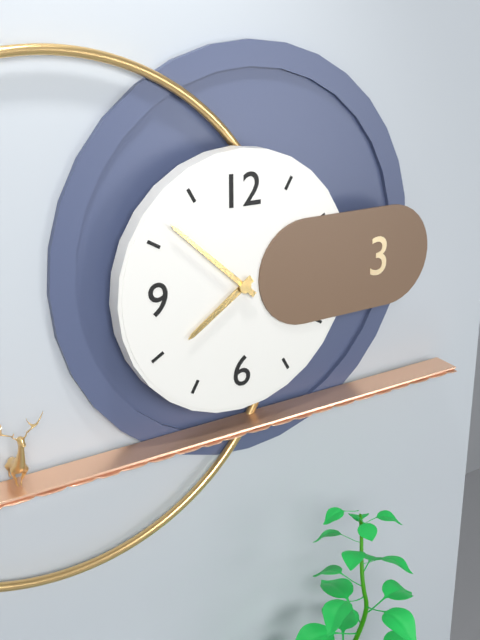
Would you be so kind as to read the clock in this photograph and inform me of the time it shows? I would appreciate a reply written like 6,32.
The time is 7,52
